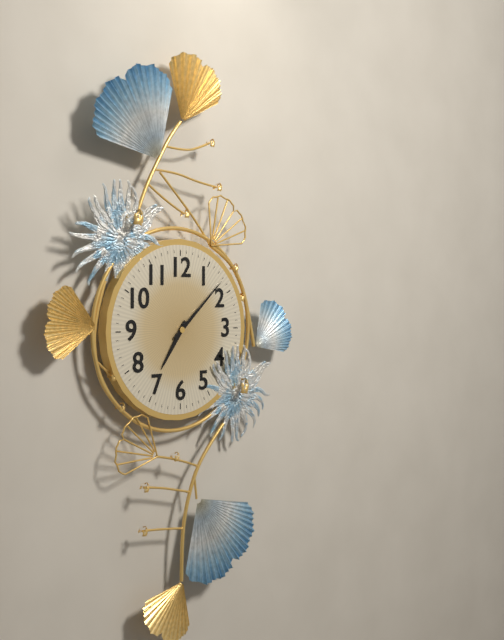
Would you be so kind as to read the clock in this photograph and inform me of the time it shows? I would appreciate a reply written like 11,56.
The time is 7,08
